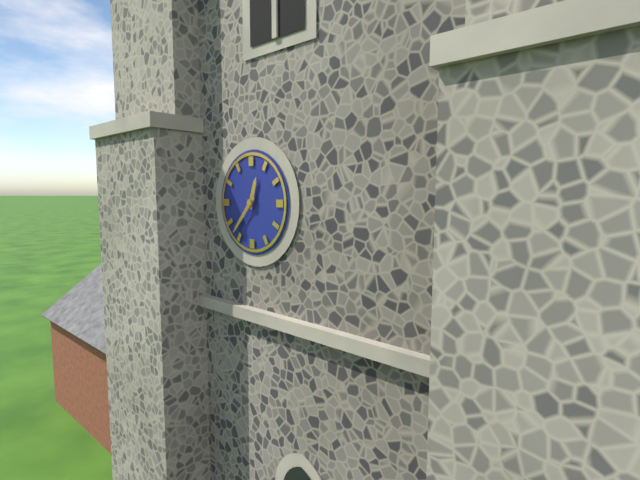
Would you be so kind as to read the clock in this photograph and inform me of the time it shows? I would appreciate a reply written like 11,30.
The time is 12,37
